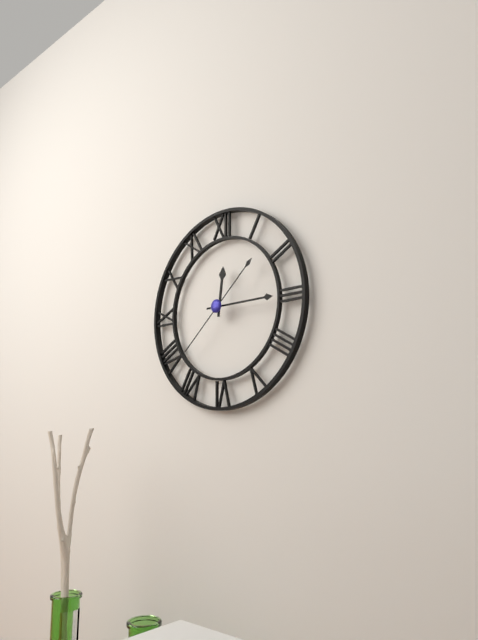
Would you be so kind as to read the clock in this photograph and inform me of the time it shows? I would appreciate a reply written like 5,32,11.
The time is 12,15,38
